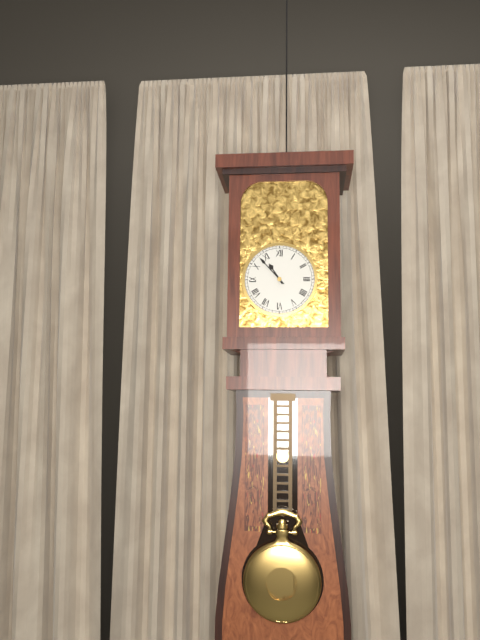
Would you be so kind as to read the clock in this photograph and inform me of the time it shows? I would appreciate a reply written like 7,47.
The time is 10,53
